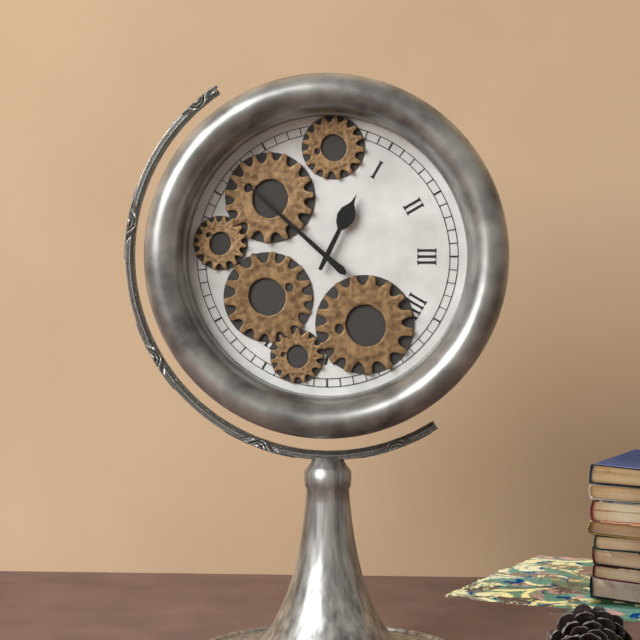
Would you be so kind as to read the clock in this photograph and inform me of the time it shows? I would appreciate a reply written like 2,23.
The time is 12,52
